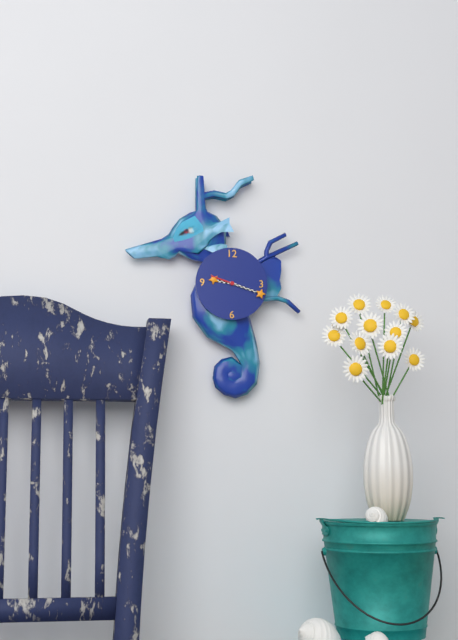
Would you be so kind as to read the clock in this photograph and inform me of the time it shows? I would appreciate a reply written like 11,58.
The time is 9,18
